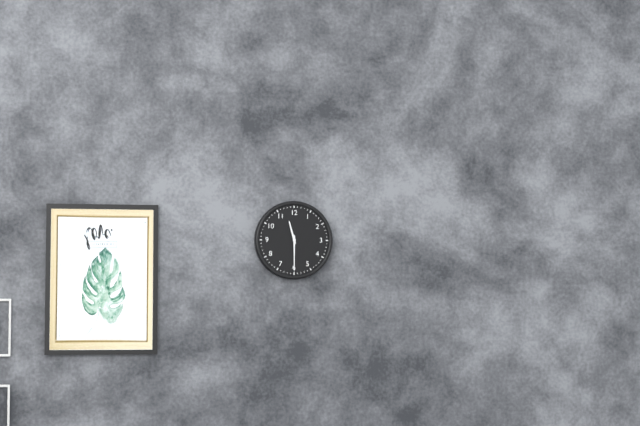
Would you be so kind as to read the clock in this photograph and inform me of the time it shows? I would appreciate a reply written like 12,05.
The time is 11,30
